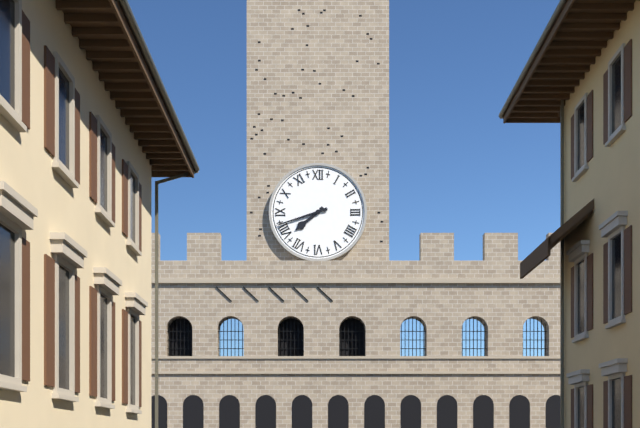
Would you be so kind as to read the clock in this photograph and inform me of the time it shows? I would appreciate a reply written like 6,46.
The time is 7,42
